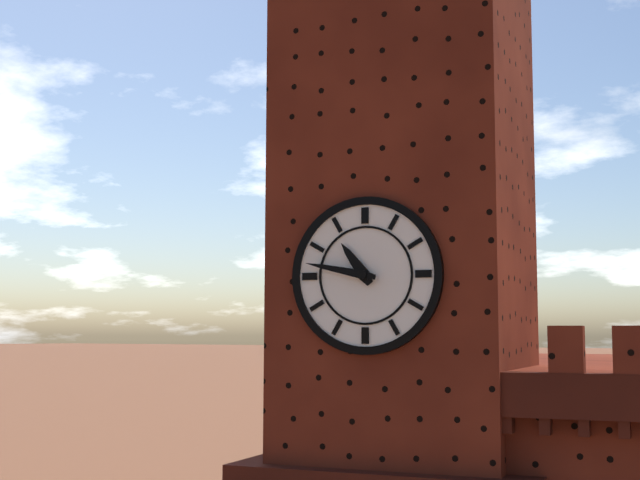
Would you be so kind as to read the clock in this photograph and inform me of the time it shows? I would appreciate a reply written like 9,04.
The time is 10,47
